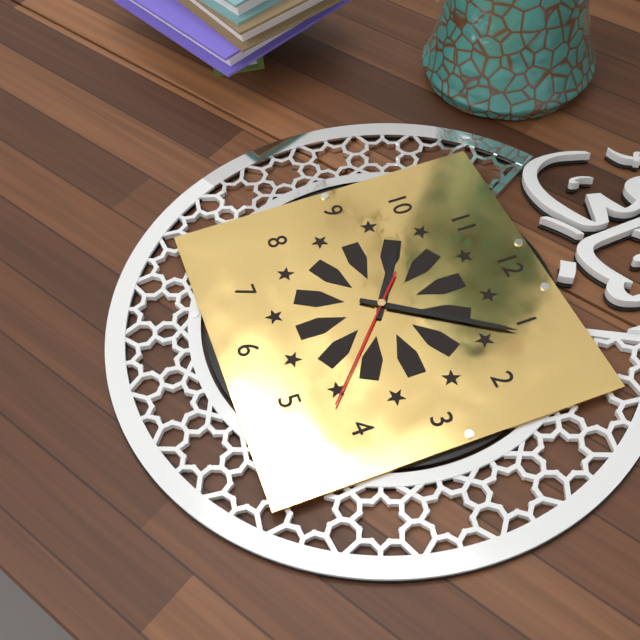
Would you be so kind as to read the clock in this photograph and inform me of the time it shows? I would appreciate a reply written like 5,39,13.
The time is 10,06,22
